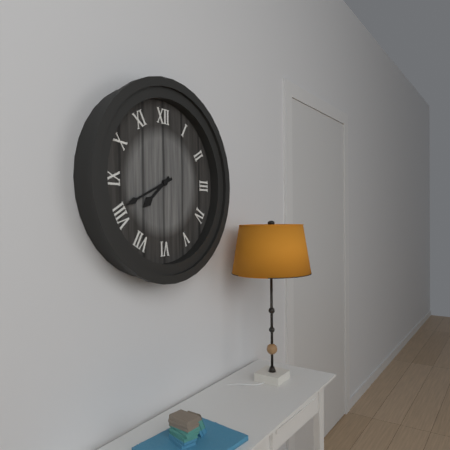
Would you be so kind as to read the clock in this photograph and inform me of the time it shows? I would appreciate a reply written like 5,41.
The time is 7,41
